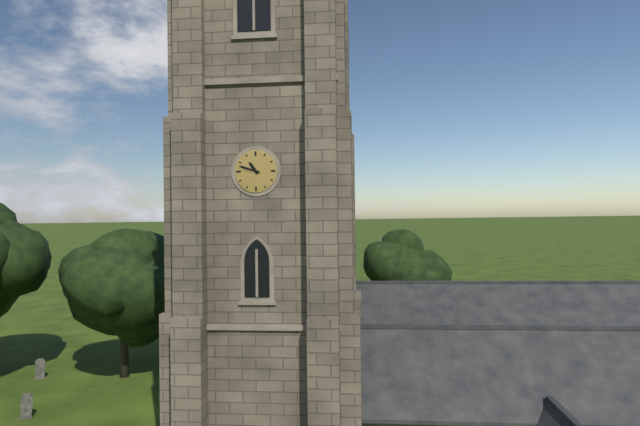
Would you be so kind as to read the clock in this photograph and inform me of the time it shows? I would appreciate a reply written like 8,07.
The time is 10,48
